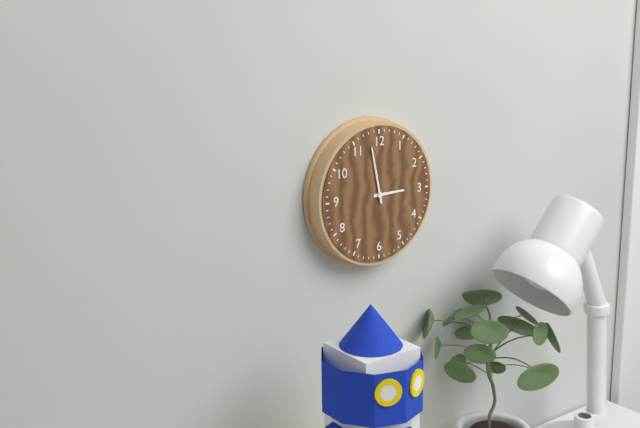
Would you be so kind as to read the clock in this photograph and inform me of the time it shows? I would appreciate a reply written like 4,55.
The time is 2,58
